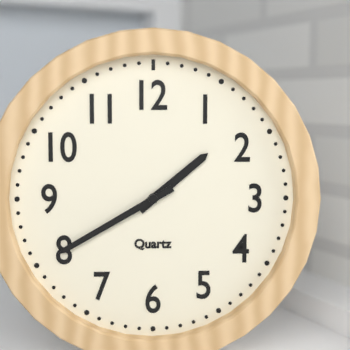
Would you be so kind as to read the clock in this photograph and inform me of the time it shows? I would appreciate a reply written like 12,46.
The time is 1,40
